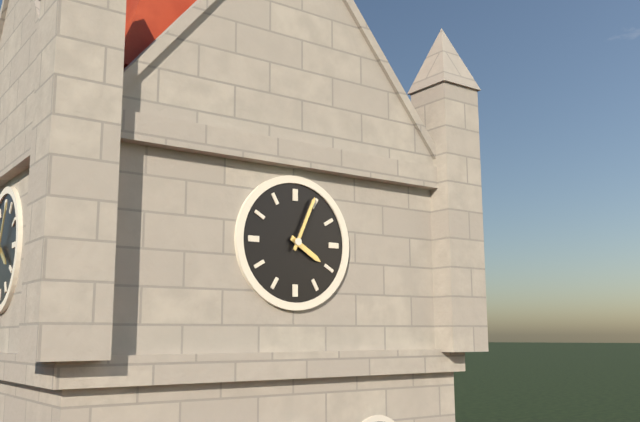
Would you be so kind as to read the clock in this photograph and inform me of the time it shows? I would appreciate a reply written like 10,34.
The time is 4,04
